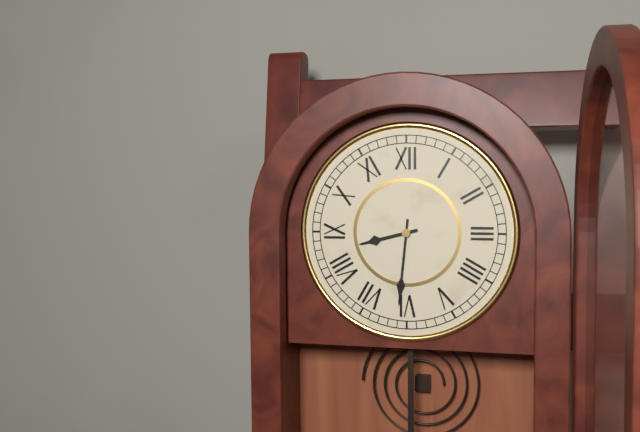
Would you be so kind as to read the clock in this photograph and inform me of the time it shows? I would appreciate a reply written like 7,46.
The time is 8,31
